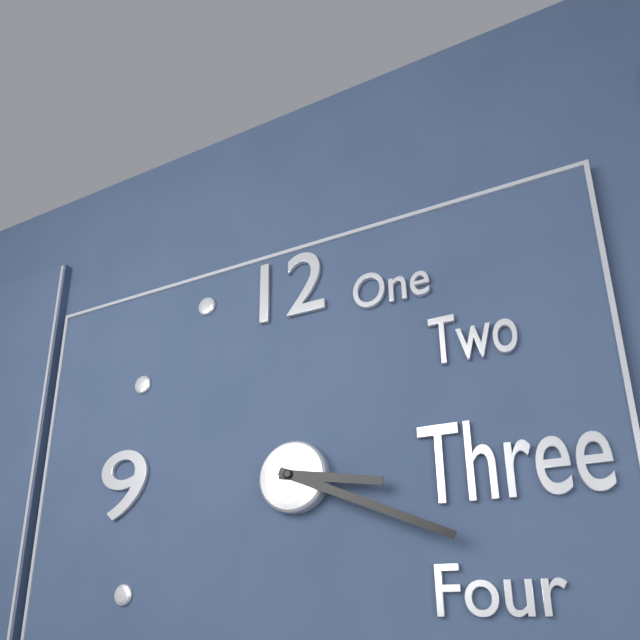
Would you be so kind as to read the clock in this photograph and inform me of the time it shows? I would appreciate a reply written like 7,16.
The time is 3,19
